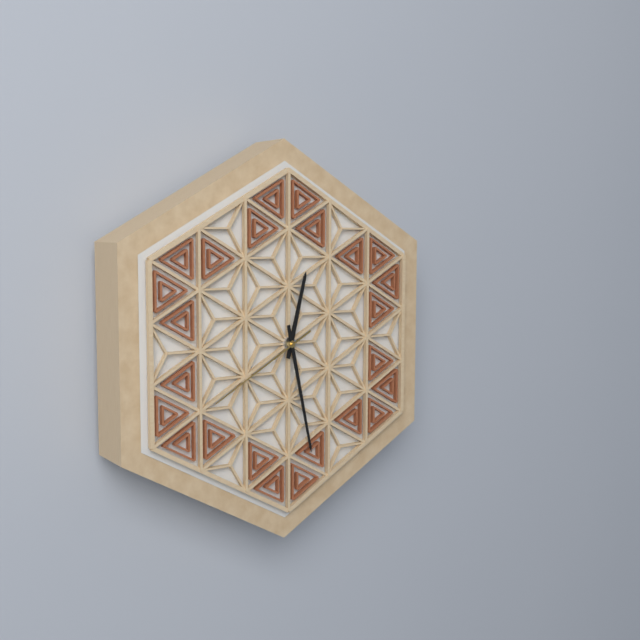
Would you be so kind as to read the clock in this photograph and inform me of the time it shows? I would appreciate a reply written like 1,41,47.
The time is 12,28,40
